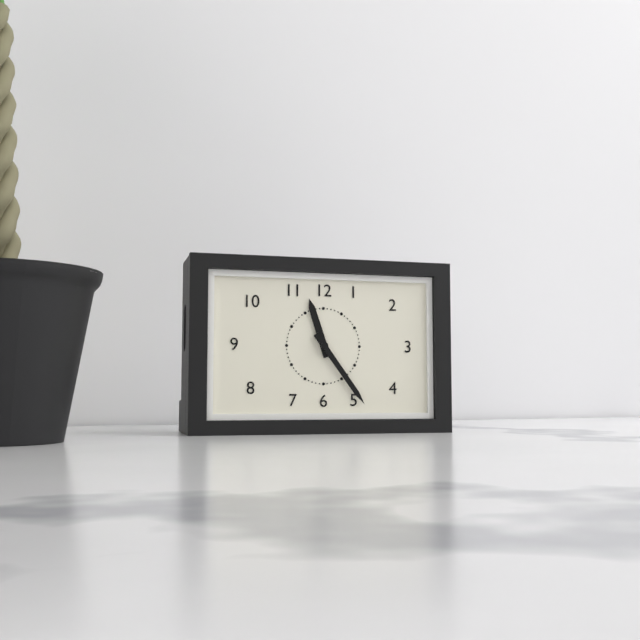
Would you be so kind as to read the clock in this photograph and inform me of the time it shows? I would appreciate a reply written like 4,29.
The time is 11,24
